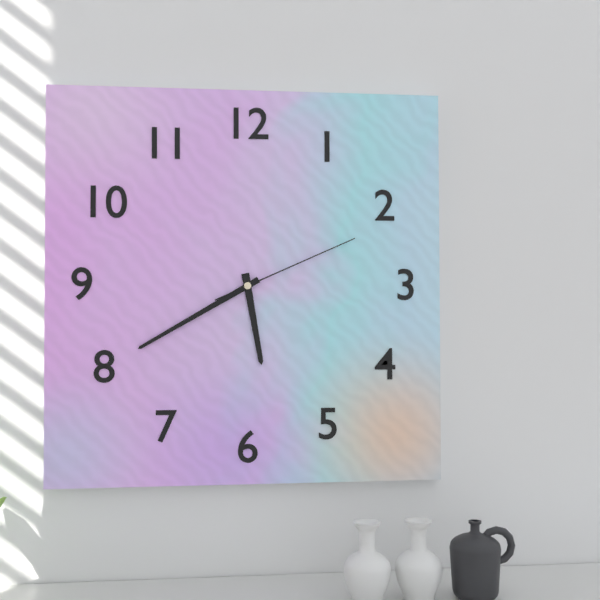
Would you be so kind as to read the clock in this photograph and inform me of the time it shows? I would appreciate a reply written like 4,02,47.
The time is 5,40,11
